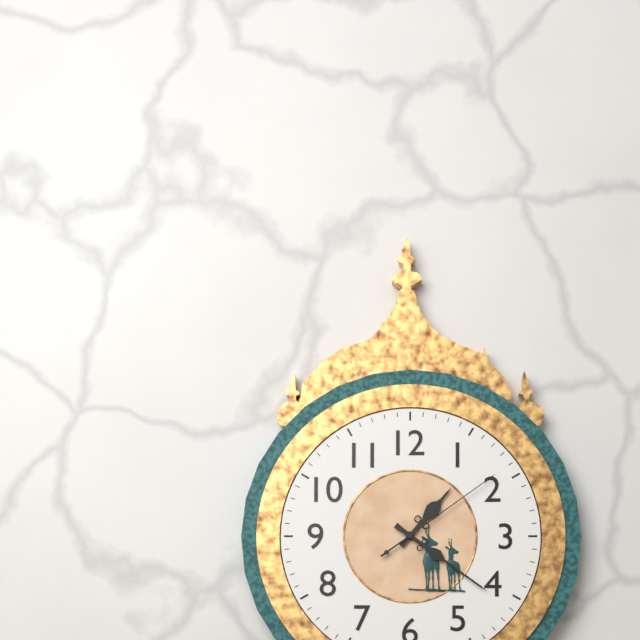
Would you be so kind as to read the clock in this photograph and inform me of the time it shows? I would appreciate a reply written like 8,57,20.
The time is 1,21,09
